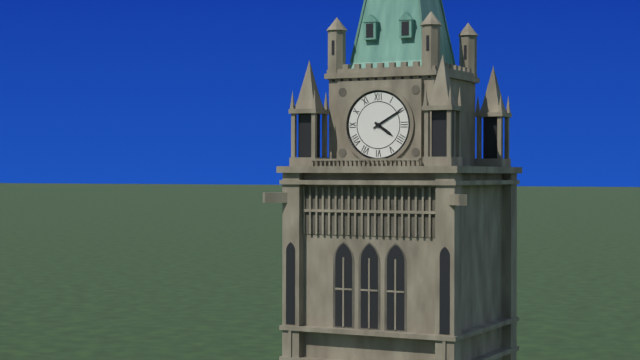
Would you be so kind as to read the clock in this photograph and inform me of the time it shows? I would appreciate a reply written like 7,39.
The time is 4,10
